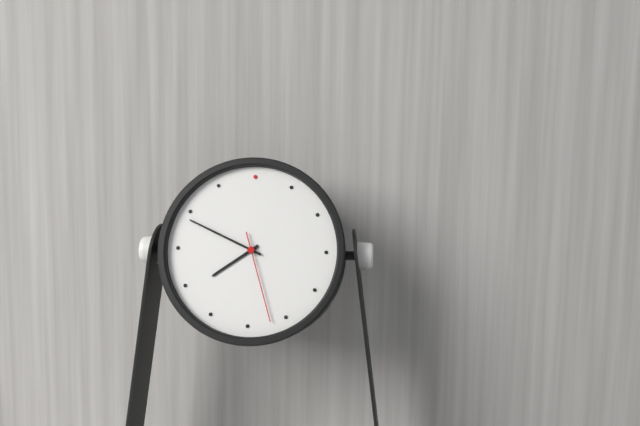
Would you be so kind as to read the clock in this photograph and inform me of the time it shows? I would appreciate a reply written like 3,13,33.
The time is 7,49,27
